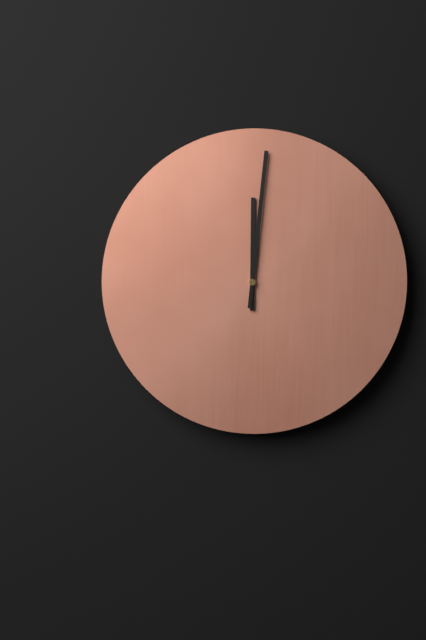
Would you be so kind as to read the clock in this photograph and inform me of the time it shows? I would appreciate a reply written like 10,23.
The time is 12,01
